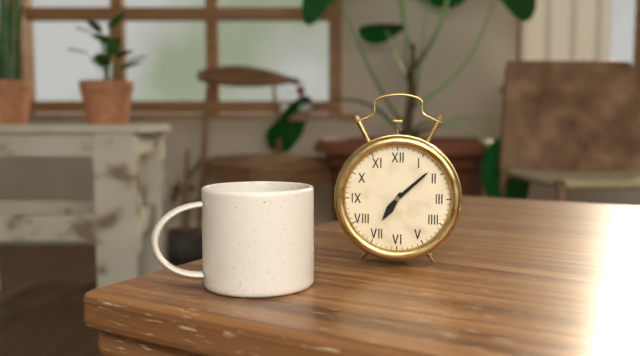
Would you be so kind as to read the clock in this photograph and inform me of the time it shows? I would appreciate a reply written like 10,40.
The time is 7,08
